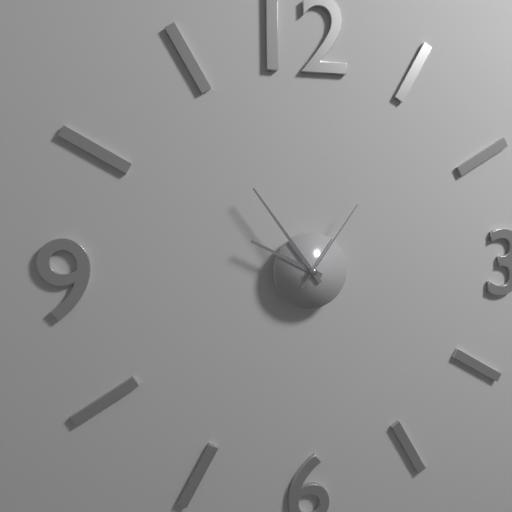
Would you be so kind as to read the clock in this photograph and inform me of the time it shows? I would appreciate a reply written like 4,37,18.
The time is 9,54,06
